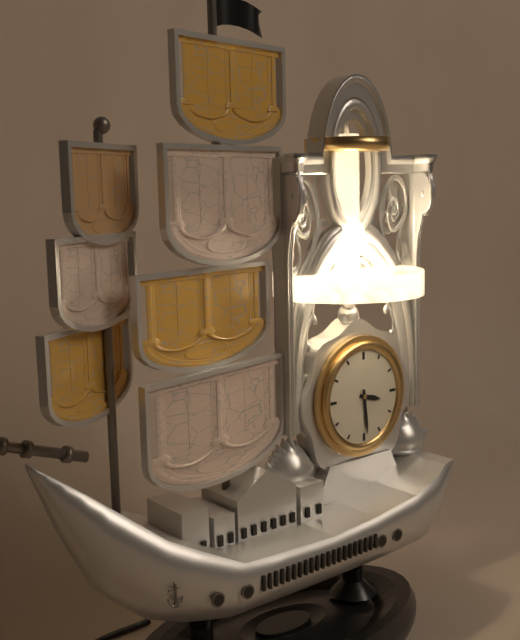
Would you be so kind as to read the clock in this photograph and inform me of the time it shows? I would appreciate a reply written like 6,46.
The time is 3,29
